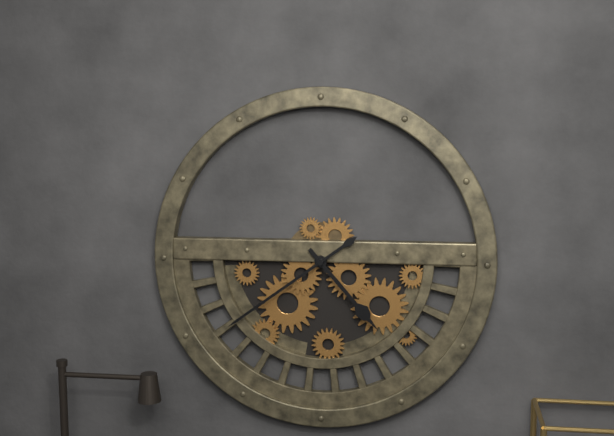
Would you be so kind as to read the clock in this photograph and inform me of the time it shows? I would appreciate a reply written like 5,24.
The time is 4,39
